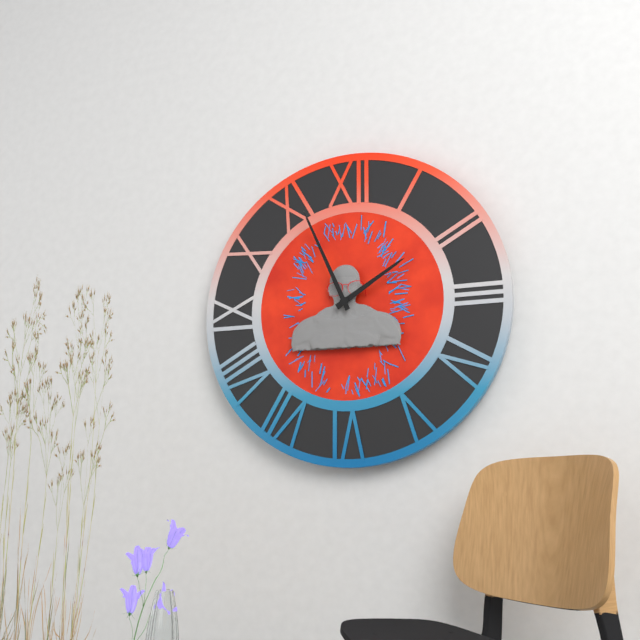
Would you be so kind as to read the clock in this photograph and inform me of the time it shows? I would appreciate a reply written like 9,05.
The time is 1,56
